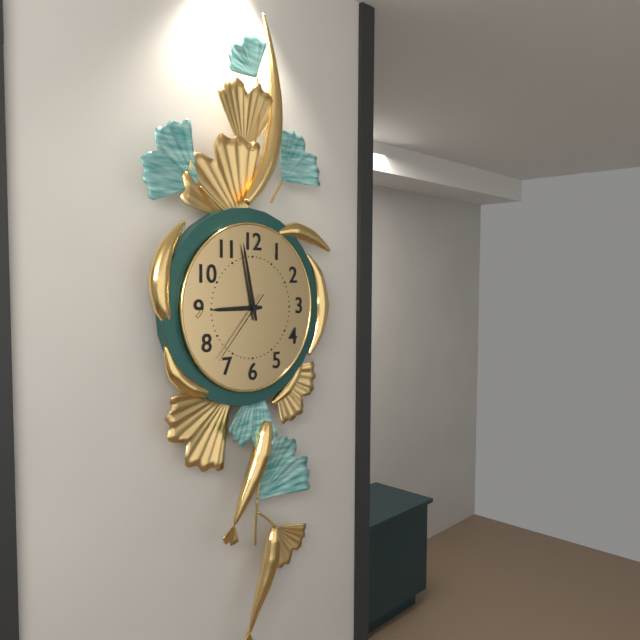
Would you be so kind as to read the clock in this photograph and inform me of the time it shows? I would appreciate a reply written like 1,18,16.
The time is 8,58,37
